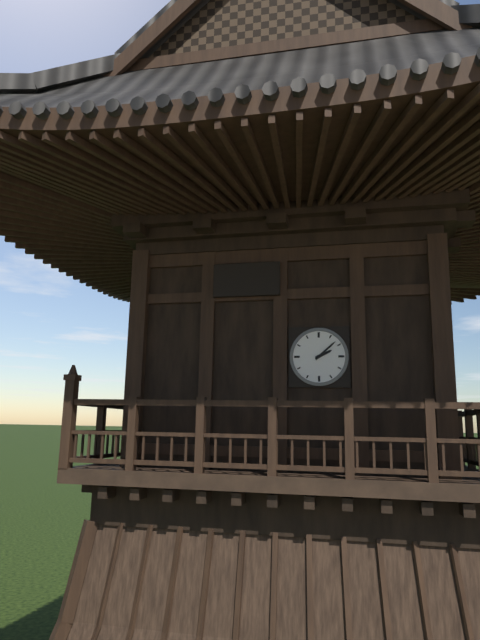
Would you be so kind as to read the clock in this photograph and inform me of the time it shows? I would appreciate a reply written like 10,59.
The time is 2,08
